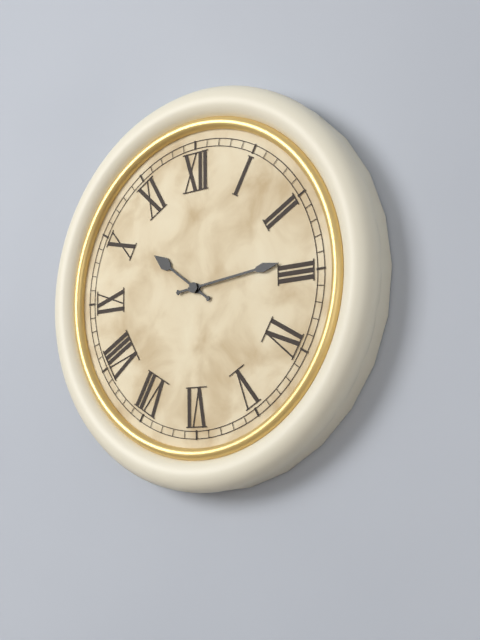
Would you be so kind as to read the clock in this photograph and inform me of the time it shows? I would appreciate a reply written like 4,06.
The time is 10,14
